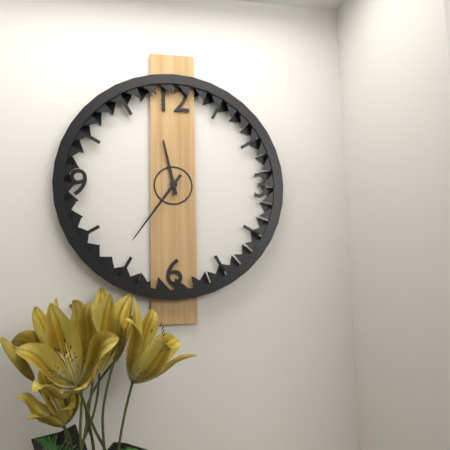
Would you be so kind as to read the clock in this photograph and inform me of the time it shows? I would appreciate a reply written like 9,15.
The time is 11,36
